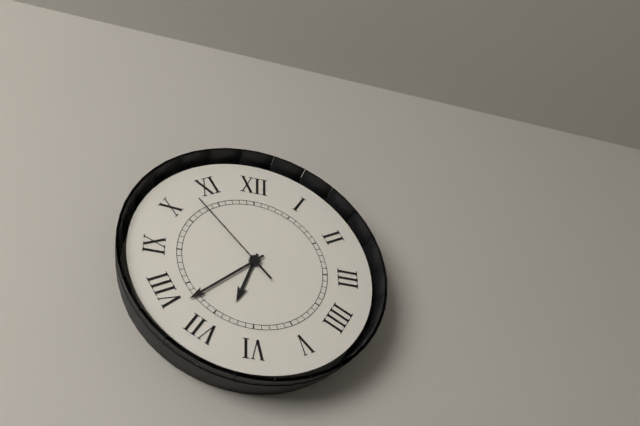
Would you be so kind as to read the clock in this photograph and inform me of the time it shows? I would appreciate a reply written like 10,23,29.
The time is 6,38,53
